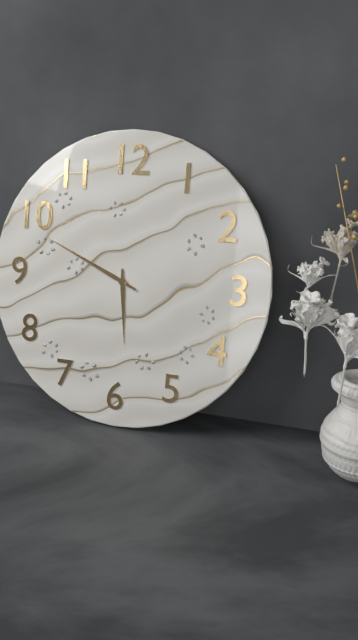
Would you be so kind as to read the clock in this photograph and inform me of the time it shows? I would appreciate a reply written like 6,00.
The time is 5,49
